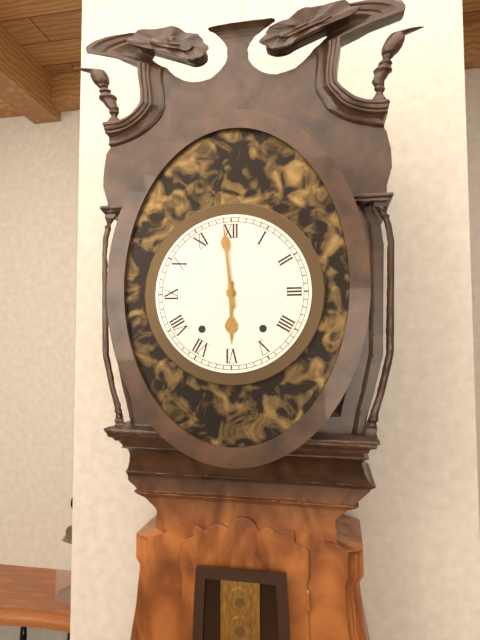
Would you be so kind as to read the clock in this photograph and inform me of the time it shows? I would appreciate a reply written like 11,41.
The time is 5,59
